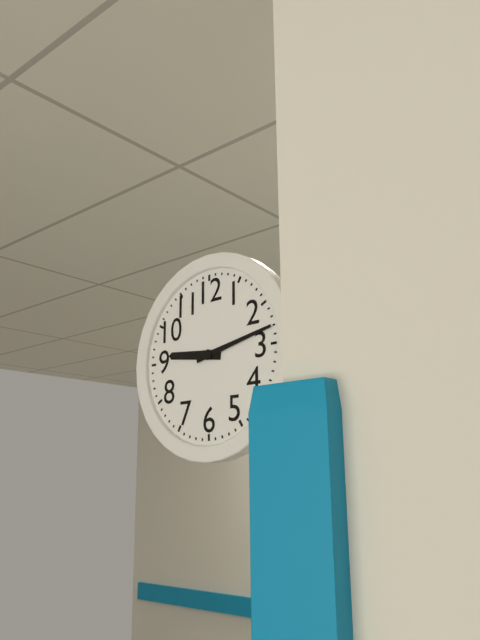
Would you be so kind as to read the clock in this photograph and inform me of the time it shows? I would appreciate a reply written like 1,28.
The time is 9,13
